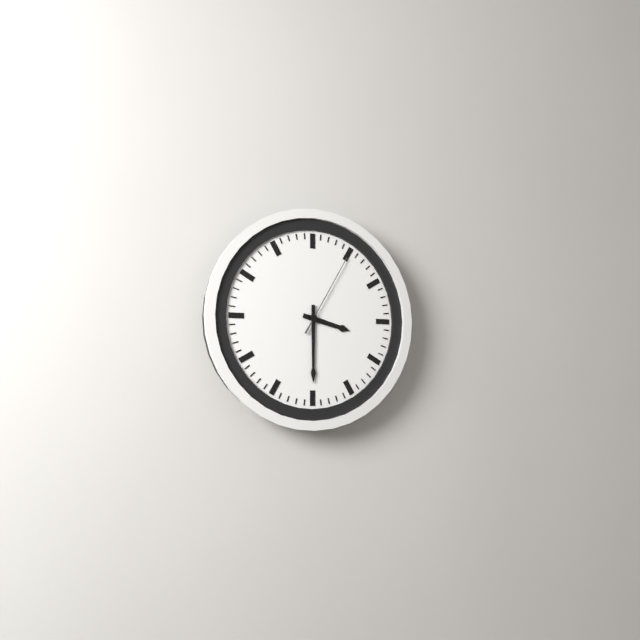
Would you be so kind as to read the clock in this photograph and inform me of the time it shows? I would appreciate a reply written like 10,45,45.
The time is 3,30,05
